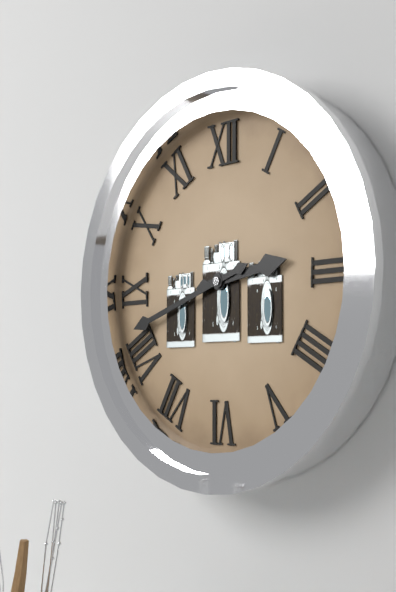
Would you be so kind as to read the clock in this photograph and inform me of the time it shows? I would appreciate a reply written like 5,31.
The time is 2,42
